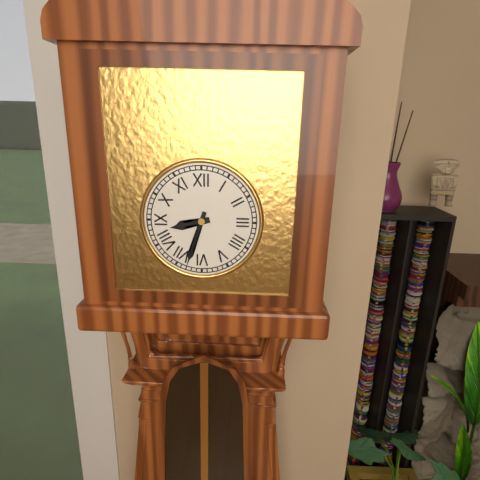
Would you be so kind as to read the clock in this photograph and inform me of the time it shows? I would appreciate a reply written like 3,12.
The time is 8,33
